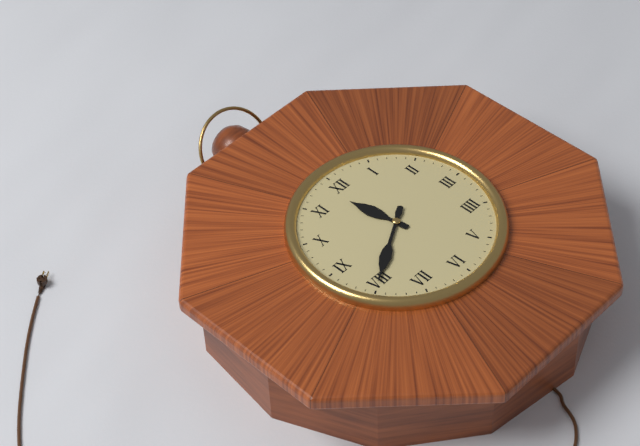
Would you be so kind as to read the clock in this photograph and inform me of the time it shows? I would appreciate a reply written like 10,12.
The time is 11,40
